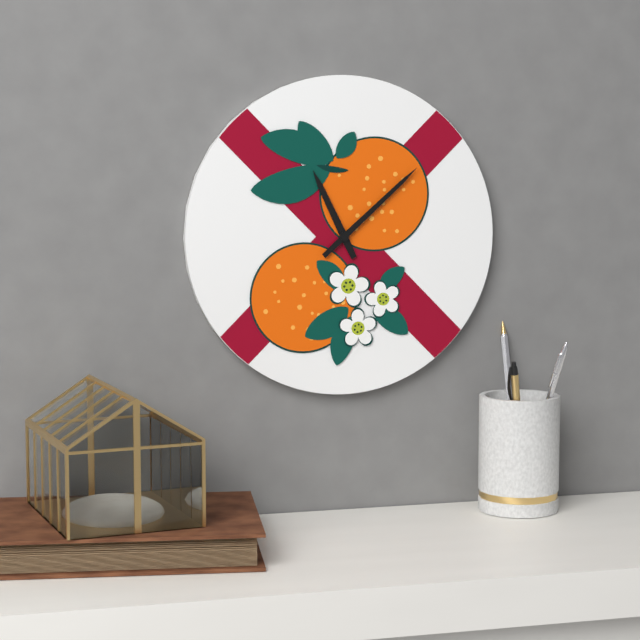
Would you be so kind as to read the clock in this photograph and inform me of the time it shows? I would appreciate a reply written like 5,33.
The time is 11,08
